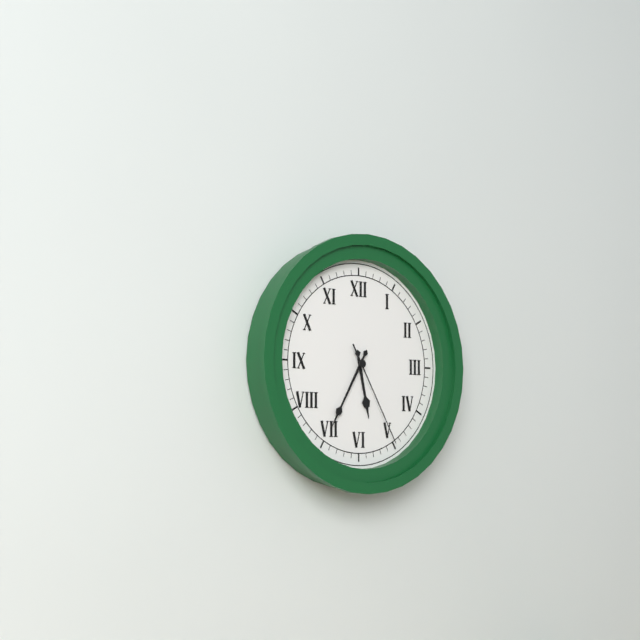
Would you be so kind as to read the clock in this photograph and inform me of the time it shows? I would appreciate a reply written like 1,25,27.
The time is 5,35,25
